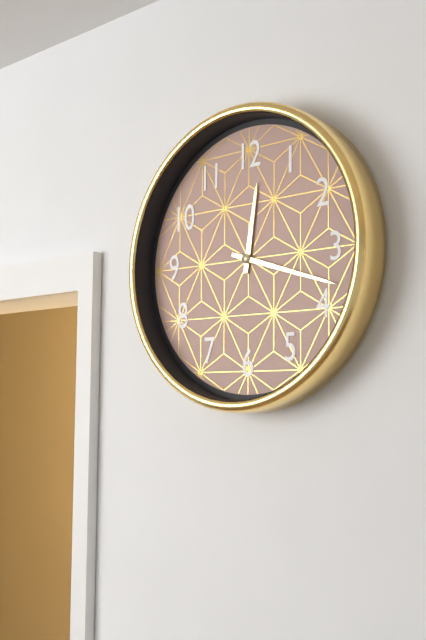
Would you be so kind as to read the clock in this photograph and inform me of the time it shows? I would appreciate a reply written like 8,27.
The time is 12,18
